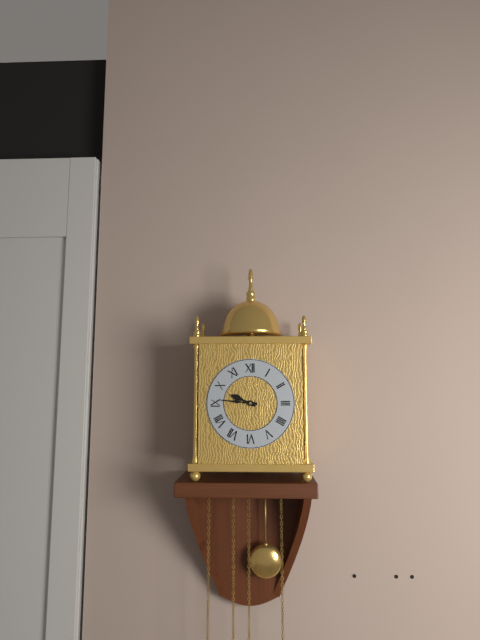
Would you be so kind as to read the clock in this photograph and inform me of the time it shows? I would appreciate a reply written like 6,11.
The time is 9,46
